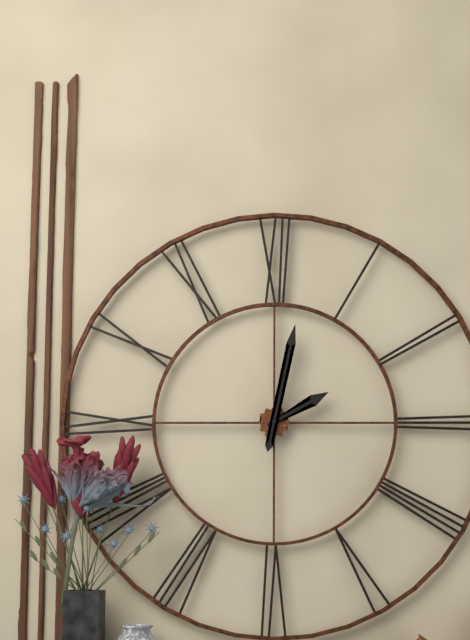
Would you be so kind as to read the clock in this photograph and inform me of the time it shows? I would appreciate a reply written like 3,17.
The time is 2,02
